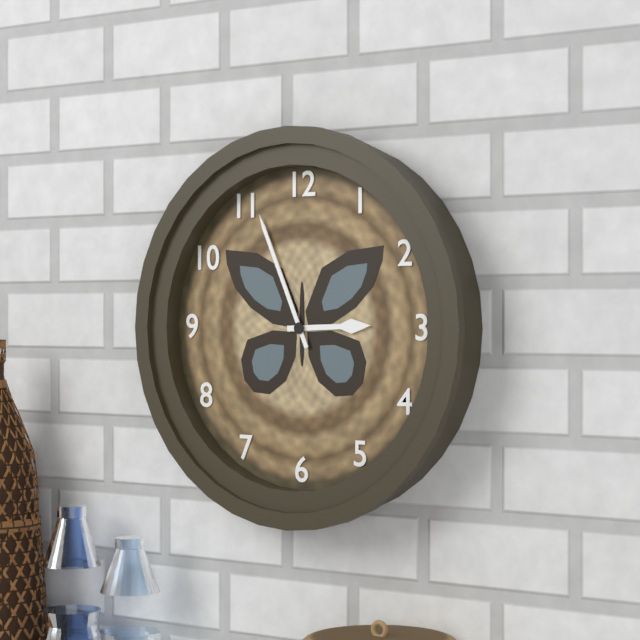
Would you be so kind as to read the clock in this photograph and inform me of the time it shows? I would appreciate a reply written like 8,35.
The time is 2,56
